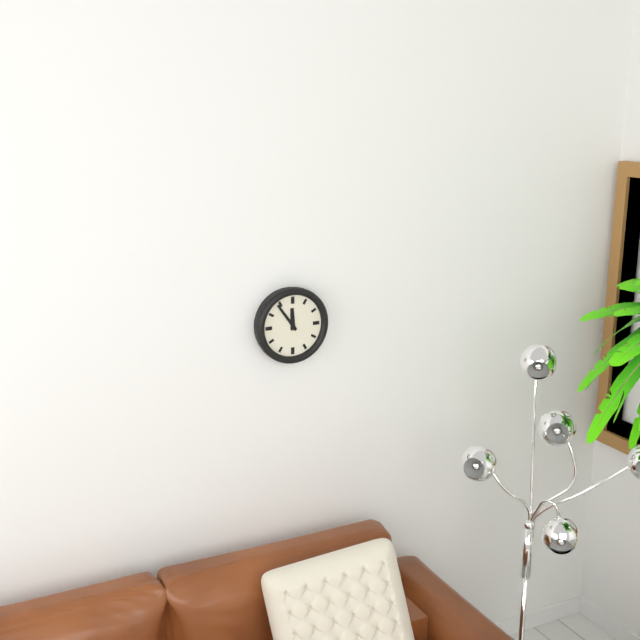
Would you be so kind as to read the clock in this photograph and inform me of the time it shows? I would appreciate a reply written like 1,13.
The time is 11,54
